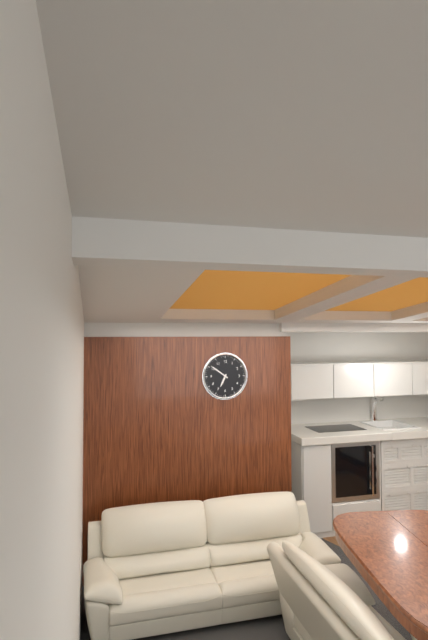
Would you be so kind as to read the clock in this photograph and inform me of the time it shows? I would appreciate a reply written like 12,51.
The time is 6,51
